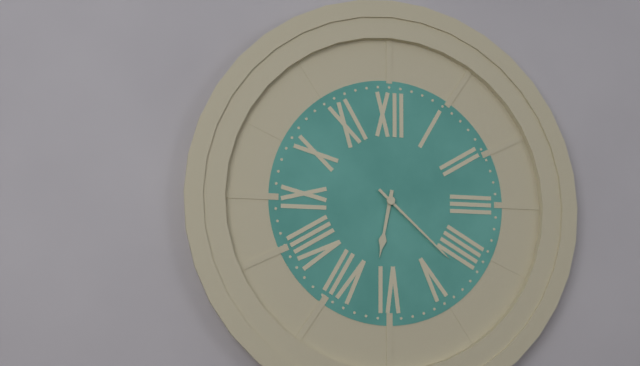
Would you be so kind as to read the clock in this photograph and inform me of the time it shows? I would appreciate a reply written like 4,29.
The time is 6,22
